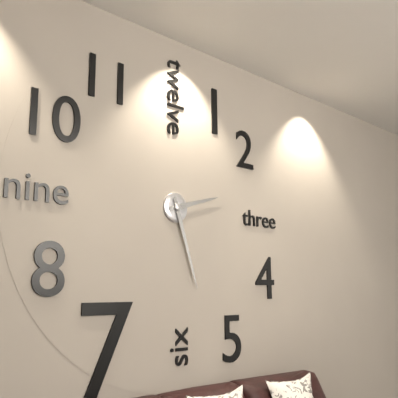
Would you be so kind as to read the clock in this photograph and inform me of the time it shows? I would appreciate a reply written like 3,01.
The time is 2,27
